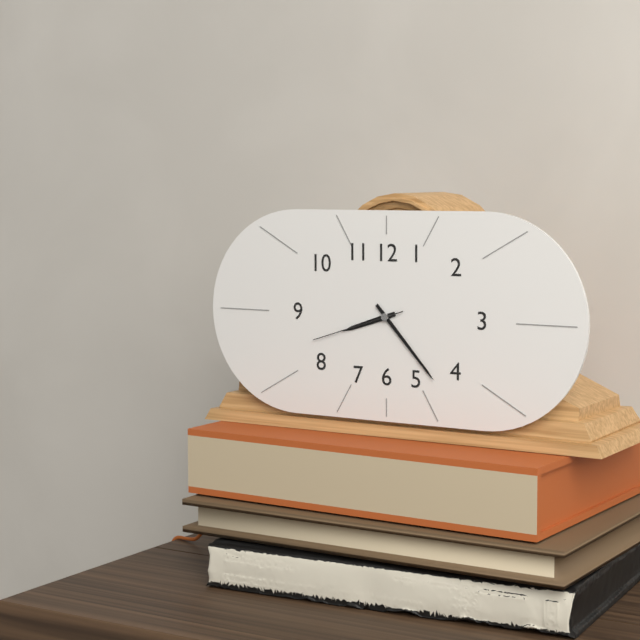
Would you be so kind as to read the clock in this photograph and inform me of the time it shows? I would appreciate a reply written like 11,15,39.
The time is 8,23,42
